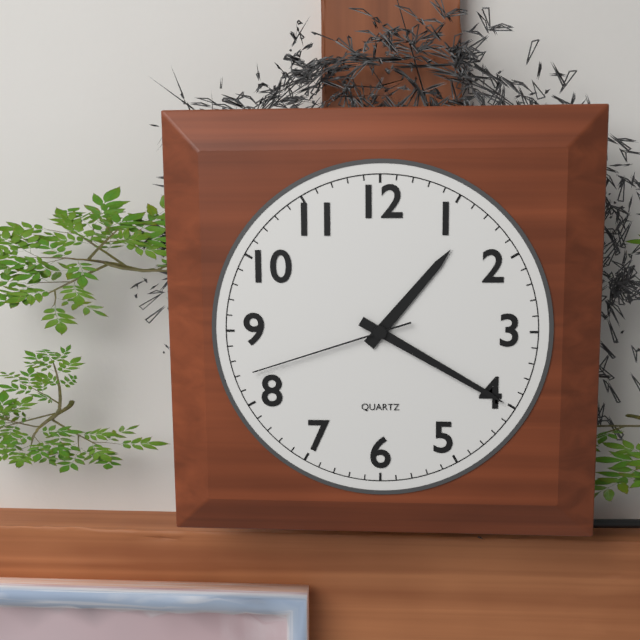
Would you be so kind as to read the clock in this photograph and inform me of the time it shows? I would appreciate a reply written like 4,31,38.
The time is 1,20,42
